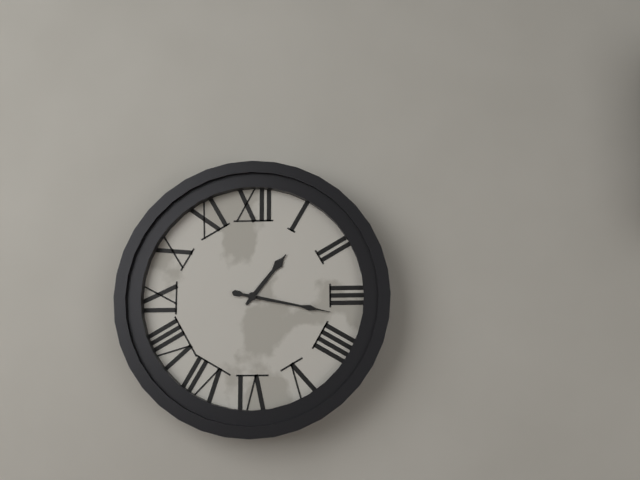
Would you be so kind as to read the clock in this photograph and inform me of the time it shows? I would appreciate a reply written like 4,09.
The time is 1,17
